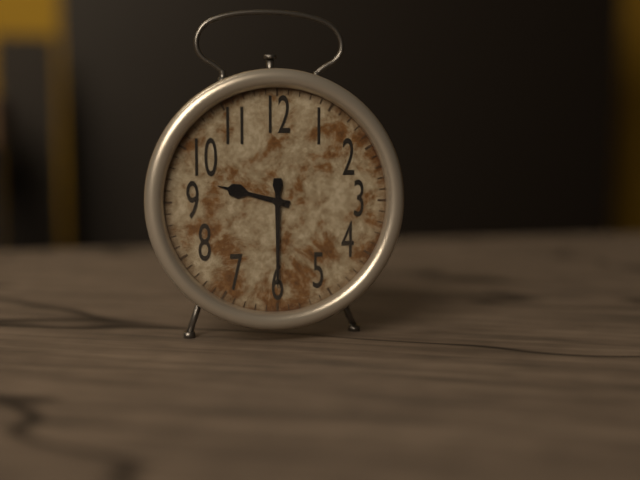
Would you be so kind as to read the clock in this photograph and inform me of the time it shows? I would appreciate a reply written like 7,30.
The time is 9,30
